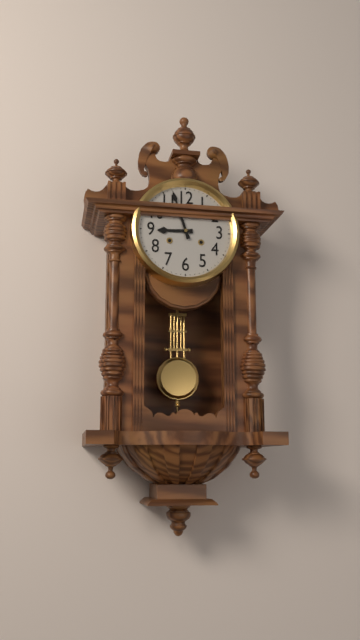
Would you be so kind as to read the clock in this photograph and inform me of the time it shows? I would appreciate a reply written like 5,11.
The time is 8,57
